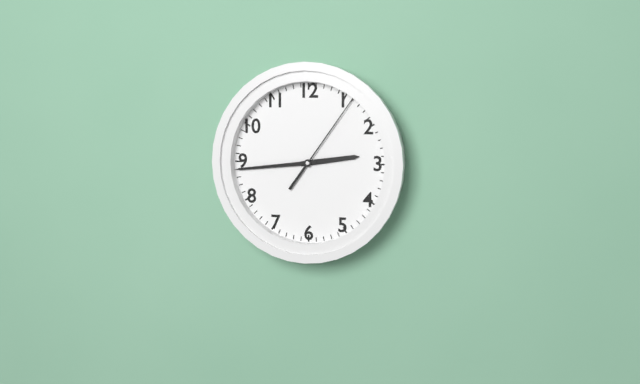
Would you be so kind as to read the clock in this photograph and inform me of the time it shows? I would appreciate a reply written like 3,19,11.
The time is 2,44,06
